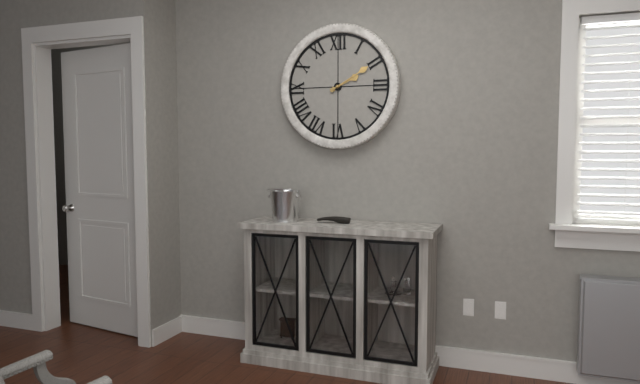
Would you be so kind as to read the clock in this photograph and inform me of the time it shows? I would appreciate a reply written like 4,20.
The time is 2,10
